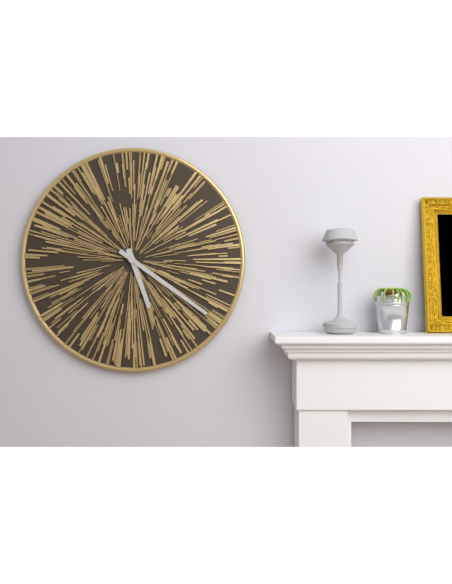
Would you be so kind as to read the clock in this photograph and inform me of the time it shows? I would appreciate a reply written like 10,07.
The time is 5,21
